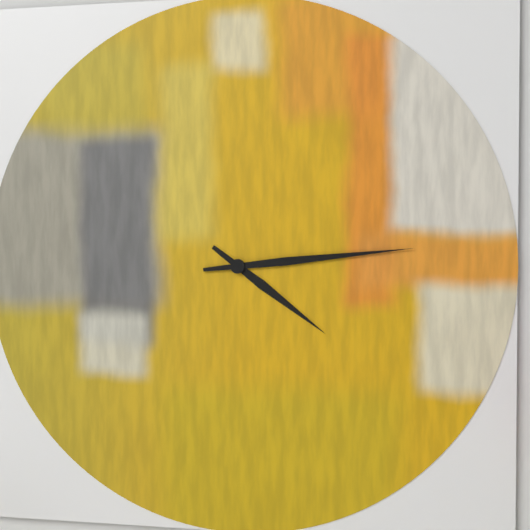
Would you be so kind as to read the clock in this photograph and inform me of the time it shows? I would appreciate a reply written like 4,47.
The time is 4,14
